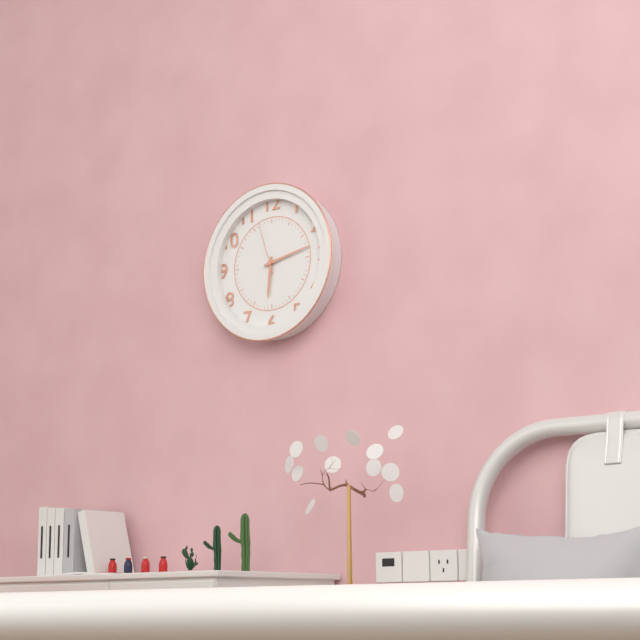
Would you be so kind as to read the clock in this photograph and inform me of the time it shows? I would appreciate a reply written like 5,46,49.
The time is 6,13,57
